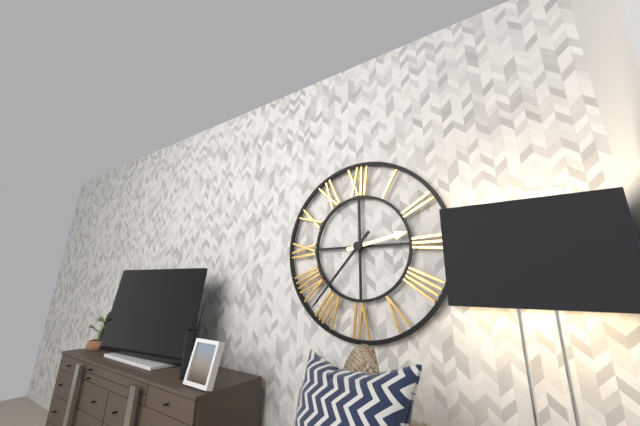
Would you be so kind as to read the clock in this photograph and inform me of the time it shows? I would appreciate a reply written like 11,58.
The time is 2,37
